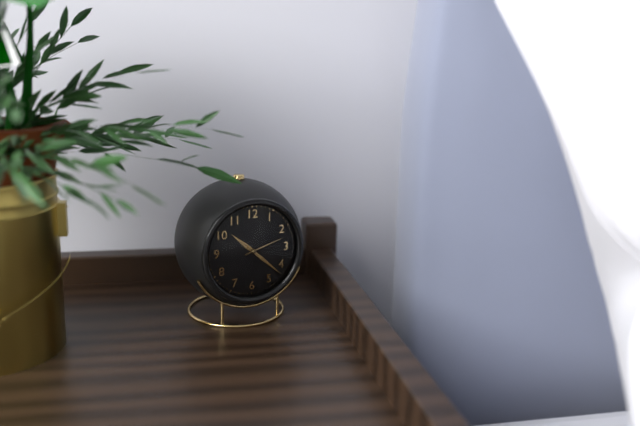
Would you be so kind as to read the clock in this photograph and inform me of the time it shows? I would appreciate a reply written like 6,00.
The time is 10,22
